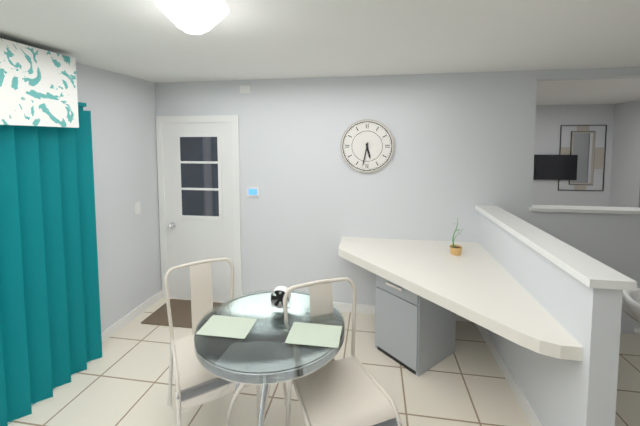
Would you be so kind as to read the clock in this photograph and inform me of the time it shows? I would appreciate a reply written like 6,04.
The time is 5,32
